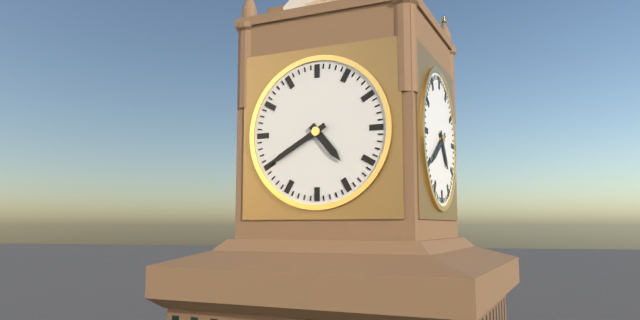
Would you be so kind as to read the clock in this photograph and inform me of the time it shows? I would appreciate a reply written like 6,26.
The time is 4,40
